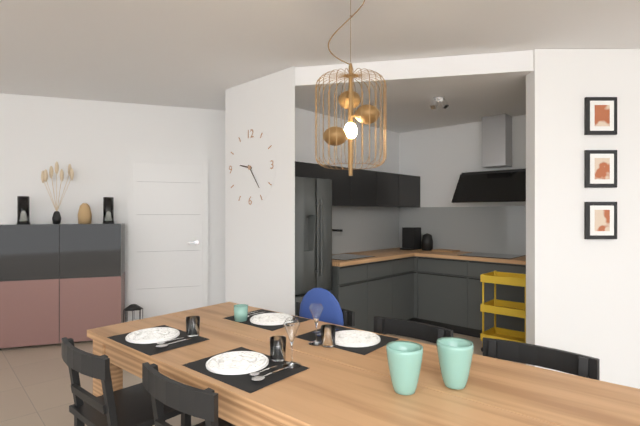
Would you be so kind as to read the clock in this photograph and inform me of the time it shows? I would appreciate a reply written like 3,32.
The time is 9,24
